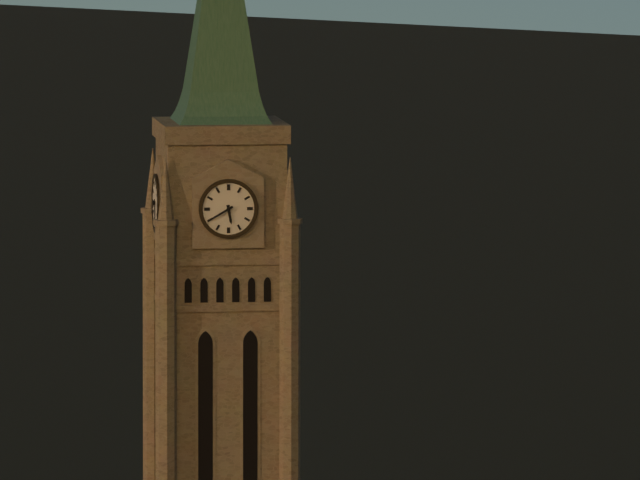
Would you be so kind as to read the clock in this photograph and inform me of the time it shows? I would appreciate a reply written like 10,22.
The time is 5,40
